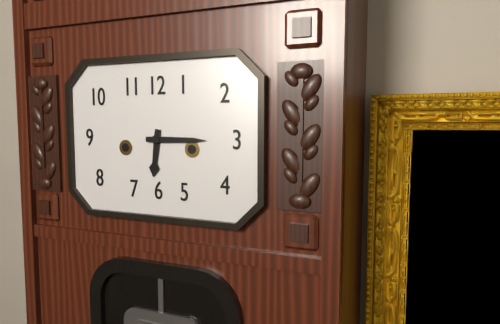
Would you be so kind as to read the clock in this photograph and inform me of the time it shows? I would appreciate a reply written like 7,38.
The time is 6,15
